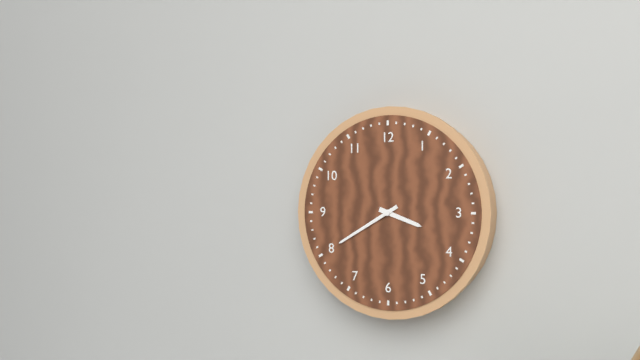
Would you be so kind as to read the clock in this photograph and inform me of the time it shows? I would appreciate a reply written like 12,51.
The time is 3,40
